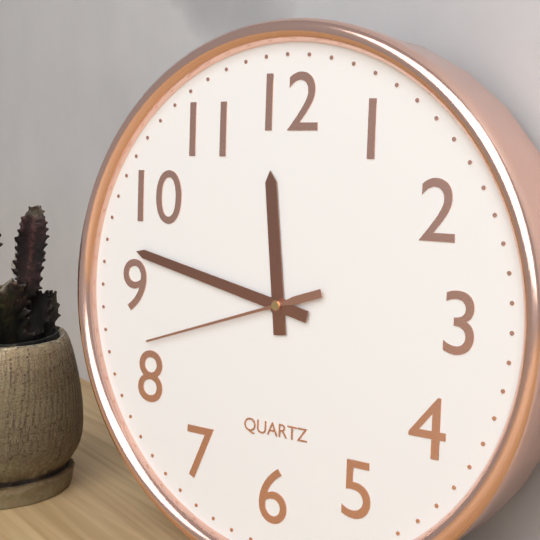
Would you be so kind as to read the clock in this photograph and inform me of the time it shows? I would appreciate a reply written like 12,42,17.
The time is 11,47,42
